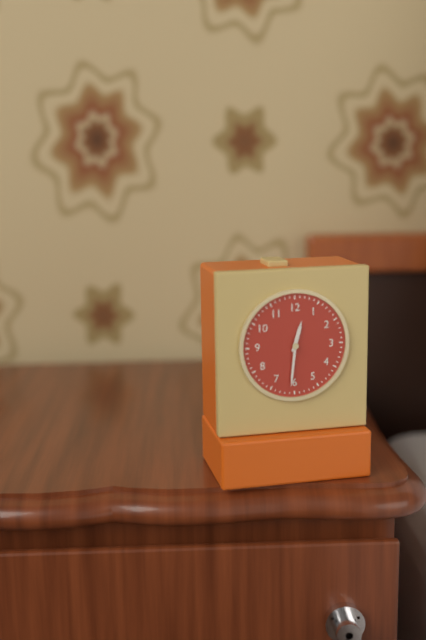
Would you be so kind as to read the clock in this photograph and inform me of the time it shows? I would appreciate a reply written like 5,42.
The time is 12,31
